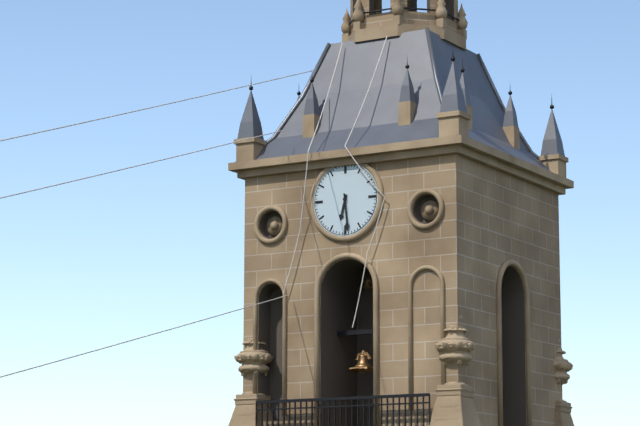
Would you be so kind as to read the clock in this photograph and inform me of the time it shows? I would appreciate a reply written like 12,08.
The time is 6,29
